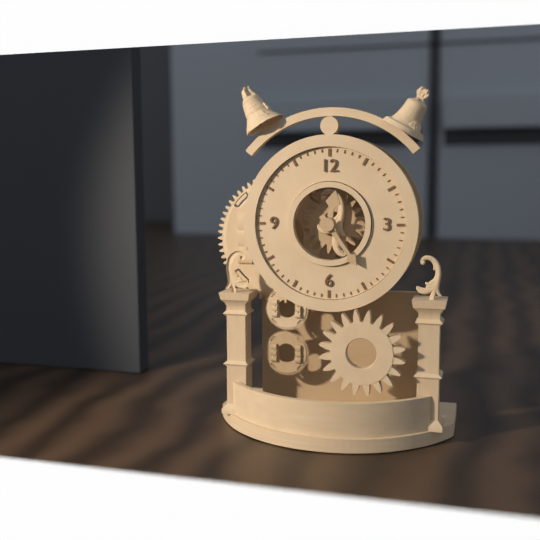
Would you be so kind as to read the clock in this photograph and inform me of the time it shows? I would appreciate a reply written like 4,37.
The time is 12,24
